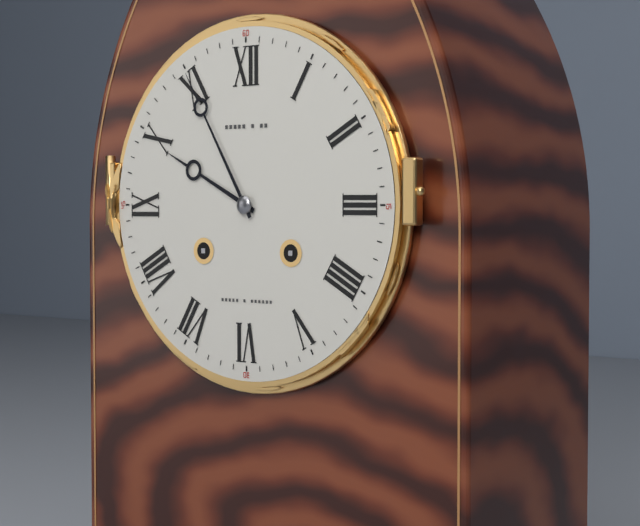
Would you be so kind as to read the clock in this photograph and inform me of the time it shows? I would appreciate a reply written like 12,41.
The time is 9,55
